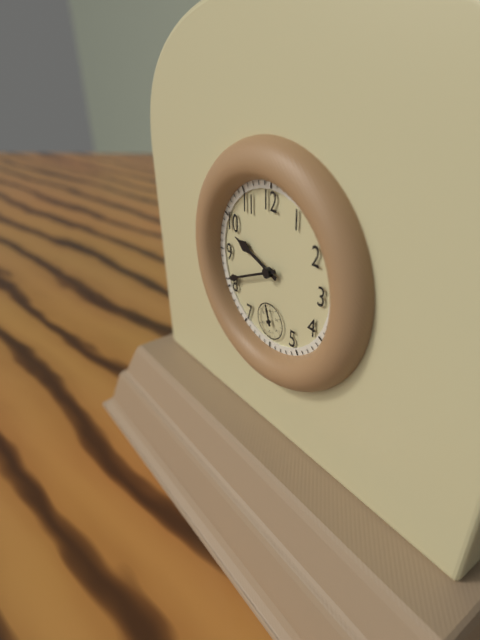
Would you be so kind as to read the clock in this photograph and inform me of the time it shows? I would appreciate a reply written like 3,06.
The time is 9,41
